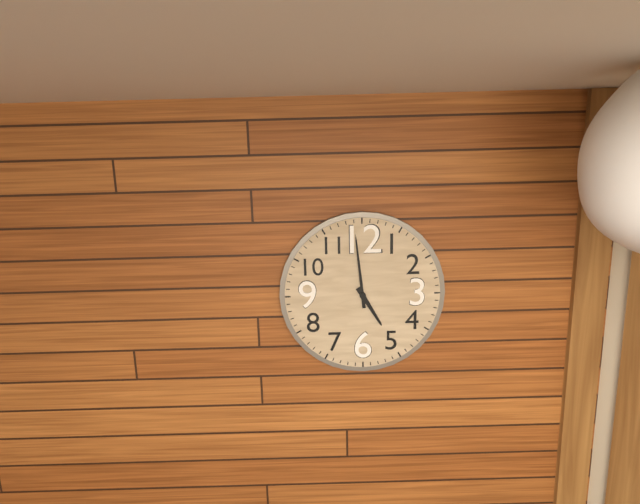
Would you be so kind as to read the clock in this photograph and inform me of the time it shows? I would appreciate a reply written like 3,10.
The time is 4,59
